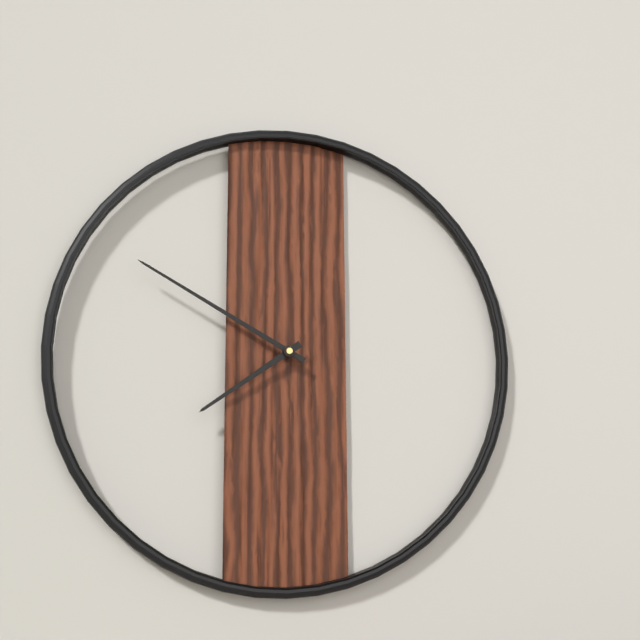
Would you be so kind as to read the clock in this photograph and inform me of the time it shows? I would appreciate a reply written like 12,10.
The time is 7,50
